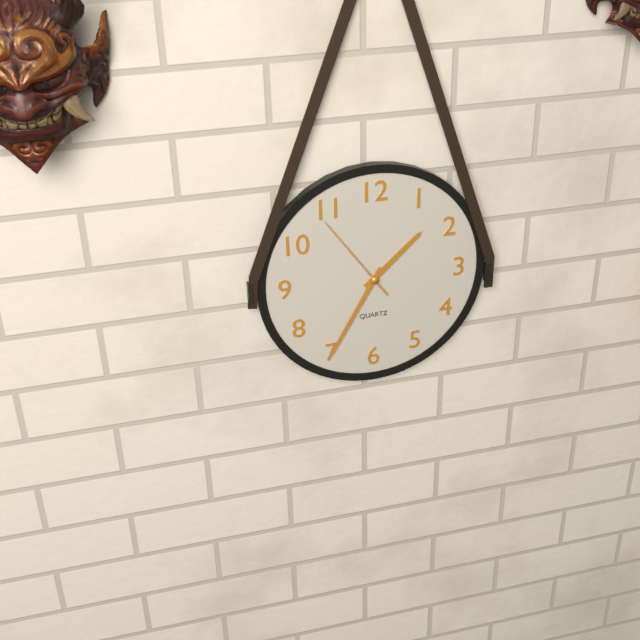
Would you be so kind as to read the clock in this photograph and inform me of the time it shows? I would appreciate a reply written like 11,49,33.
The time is 1,35,54
